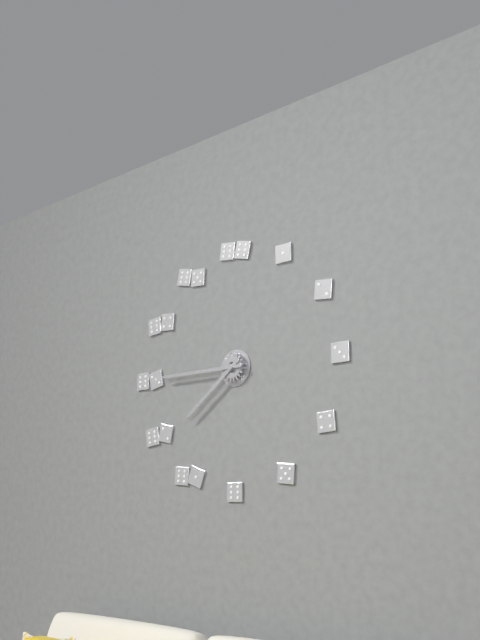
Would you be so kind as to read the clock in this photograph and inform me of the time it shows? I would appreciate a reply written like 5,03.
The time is 7,45
